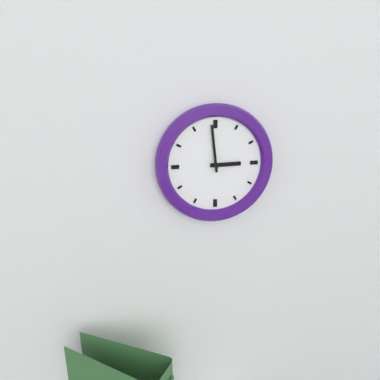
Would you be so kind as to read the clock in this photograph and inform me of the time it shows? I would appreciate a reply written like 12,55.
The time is 2,59
